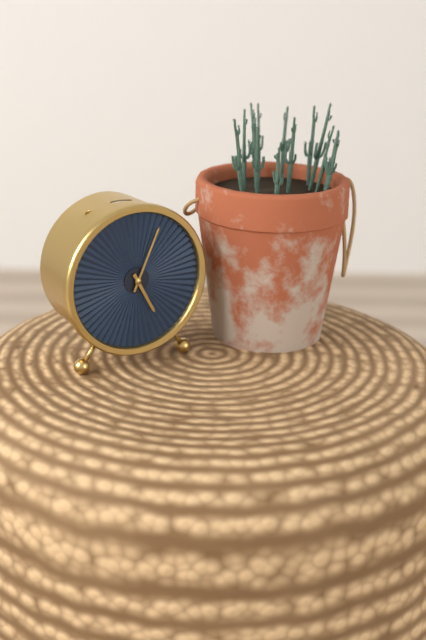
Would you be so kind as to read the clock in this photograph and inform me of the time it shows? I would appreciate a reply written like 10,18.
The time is 5,04
